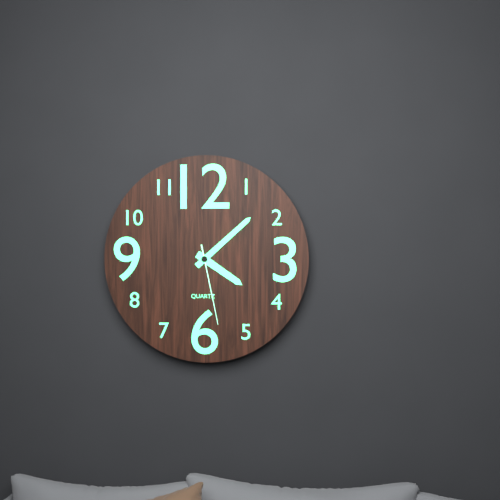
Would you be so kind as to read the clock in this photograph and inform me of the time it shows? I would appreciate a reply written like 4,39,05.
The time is 4,08,28
